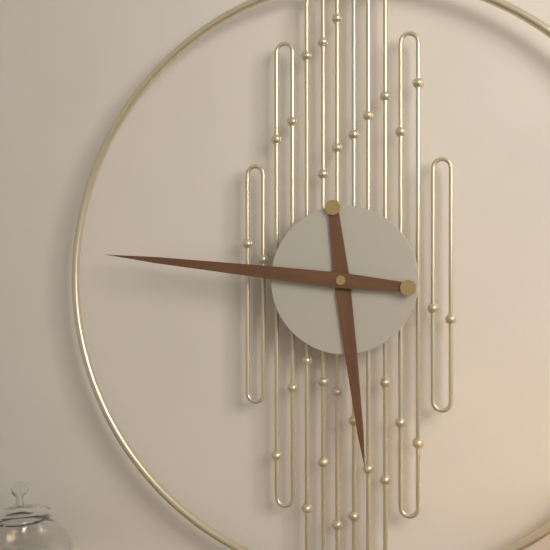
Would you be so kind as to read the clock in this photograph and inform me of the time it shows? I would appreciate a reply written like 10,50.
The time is 5,46
